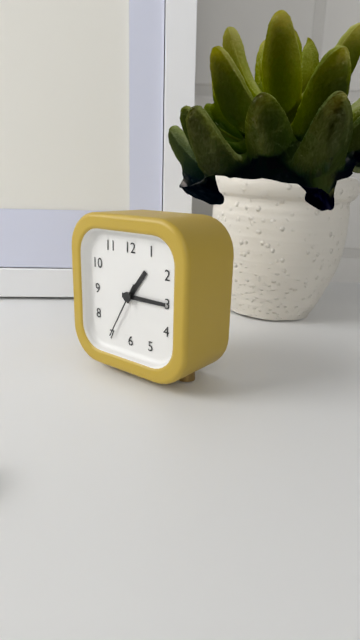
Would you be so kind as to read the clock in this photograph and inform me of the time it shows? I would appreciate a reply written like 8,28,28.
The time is 1,15,35
